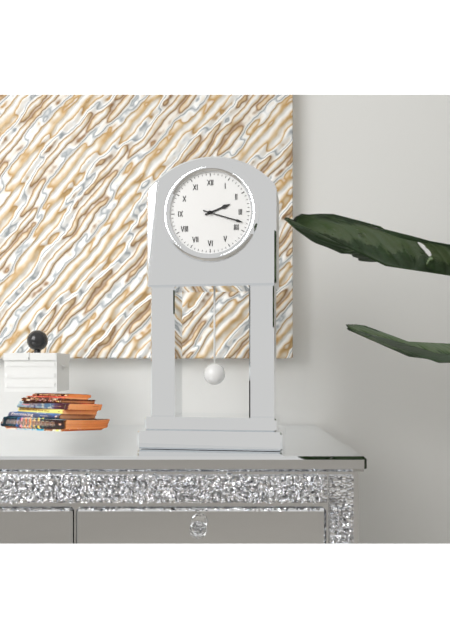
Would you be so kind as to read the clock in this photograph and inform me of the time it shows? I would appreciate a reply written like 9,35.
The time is 2,18
